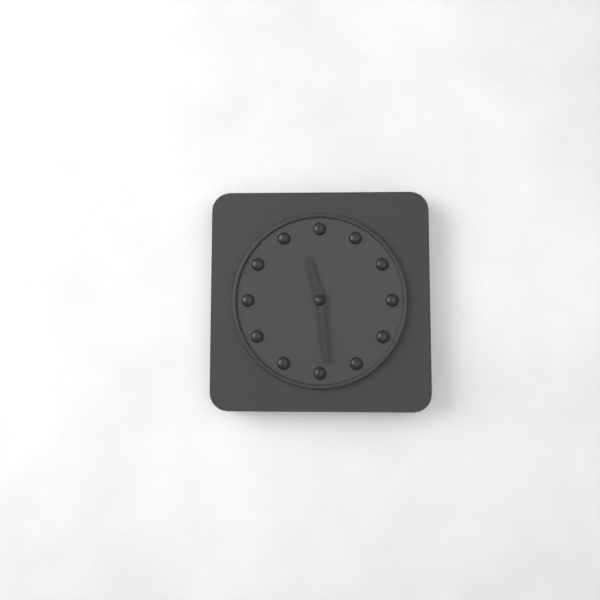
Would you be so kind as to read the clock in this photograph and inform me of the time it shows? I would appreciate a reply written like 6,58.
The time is 11,29
